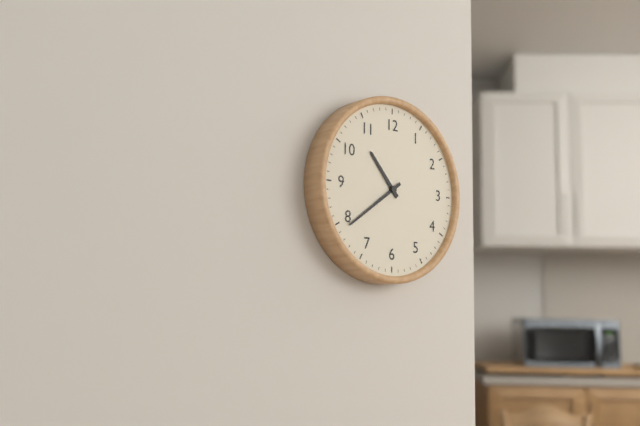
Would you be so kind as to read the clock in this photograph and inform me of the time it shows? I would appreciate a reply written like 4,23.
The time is 10,39
